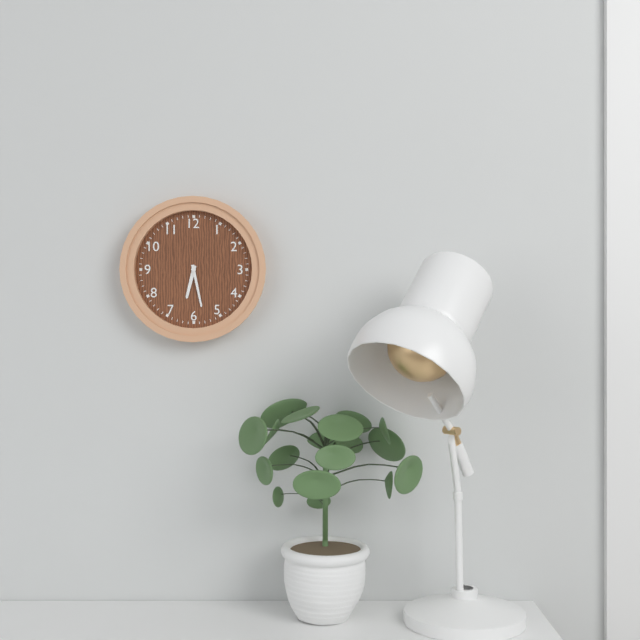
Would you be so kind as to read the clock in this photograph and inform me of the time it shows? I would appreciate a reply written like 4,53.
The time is 6,28
